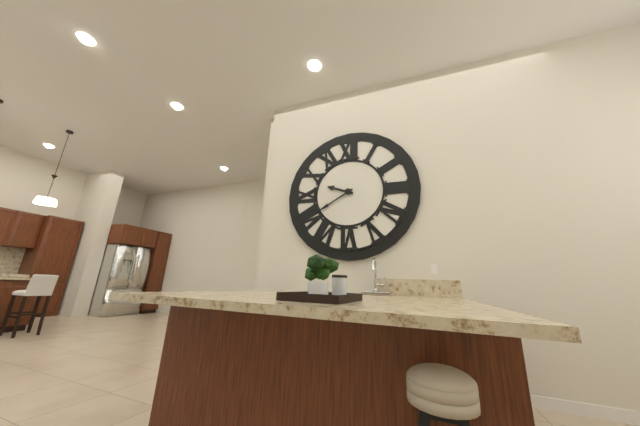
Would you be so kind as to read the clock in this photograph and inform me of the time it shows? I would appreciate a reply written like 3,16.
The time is 9,40
